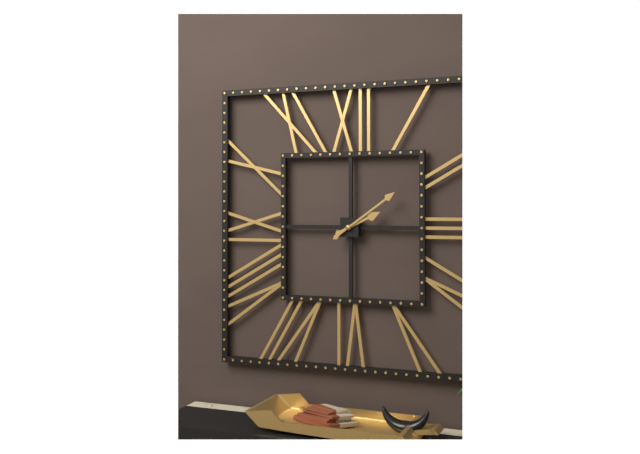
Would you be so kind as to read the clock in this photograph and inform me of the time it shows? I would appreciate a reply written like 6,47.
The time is 2,09
